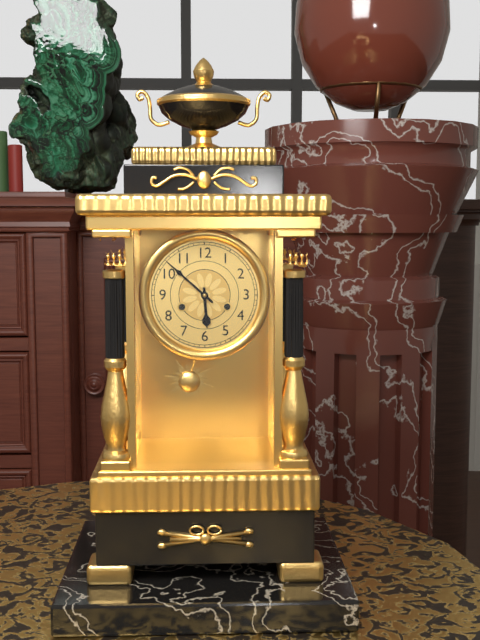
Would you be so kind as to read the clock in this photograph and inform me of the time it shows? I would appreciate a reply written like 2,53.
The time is 5,52
